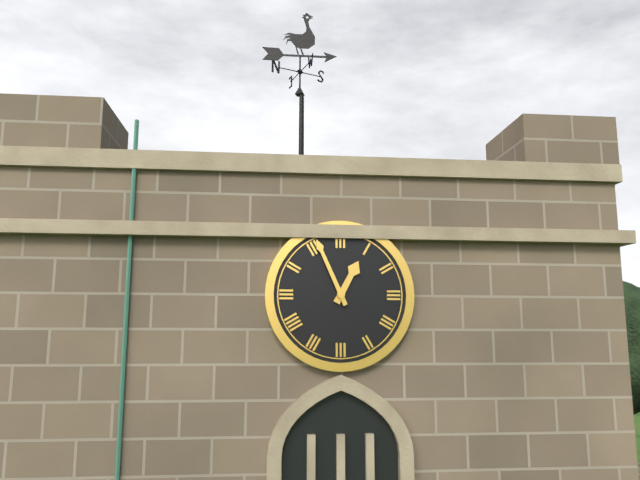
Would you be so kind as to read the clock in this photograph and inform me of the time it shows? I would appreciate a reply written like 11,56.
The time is 12,56
